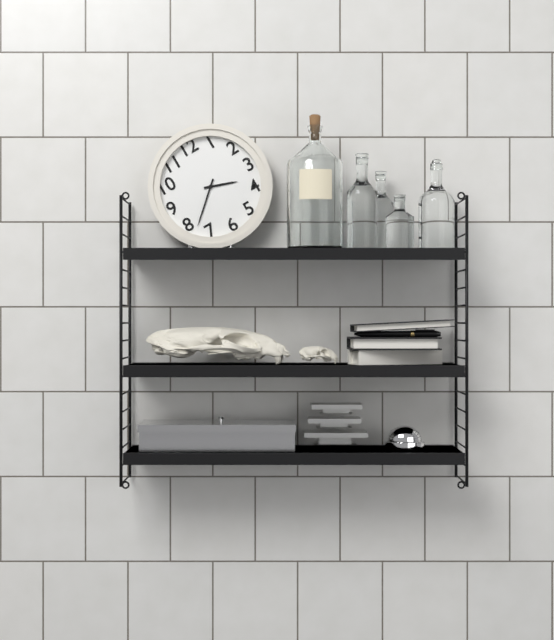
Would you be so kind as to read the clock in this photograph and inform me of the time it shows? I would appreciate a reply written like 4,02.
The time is 3,38
